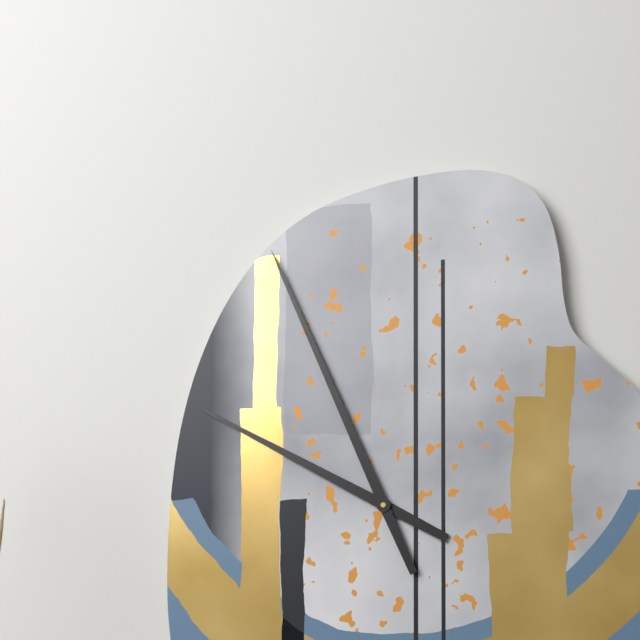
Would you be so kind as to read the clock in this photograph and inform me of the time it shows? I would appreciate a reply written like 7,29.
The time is 9,56
